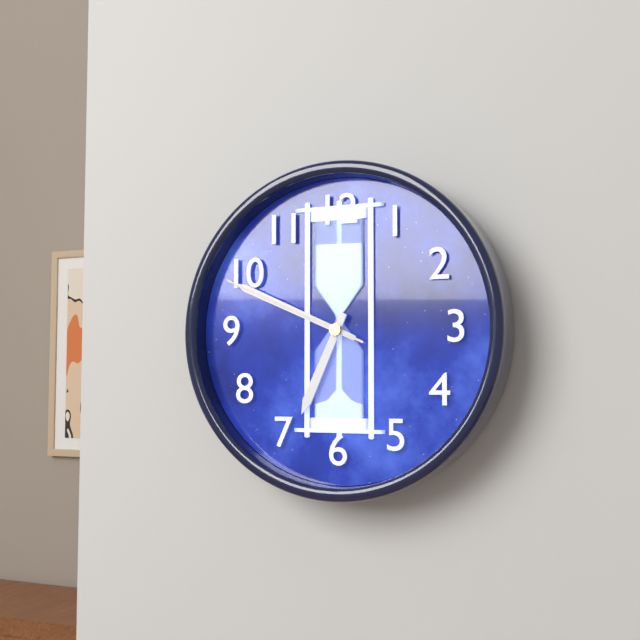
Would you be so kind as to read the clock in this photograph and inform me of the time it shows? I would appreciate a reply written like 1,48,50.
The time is 6,49,49
